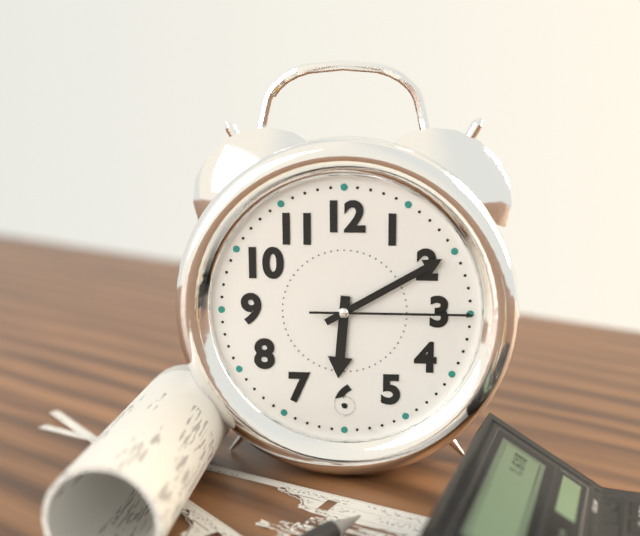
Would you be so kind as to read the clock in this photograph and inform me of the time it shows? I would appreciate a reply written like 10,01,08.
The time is 6,10,15
